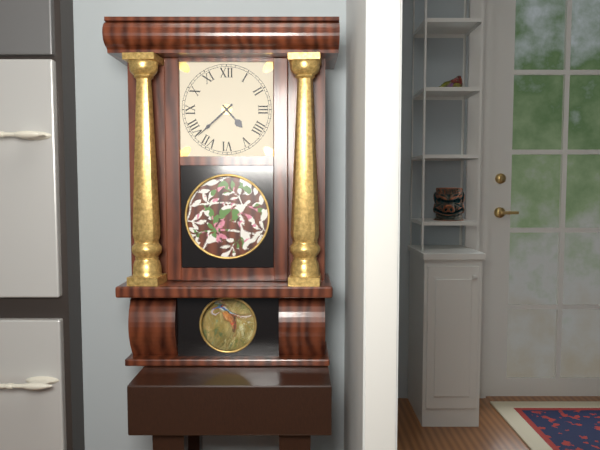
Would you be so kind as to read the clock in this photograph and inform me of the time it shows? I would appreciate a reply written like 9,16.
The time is 4,38
